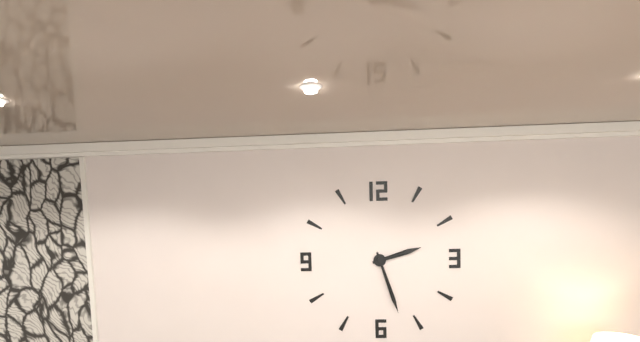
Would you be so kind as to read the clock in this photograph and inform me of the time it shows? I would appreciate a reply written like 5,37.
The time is 2,27
